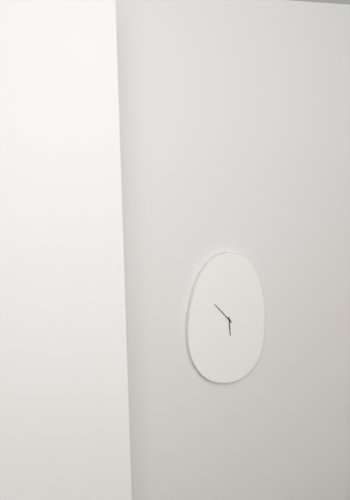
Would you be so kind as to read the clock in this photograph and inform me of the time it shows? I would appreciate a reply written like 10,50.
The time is 5,53
